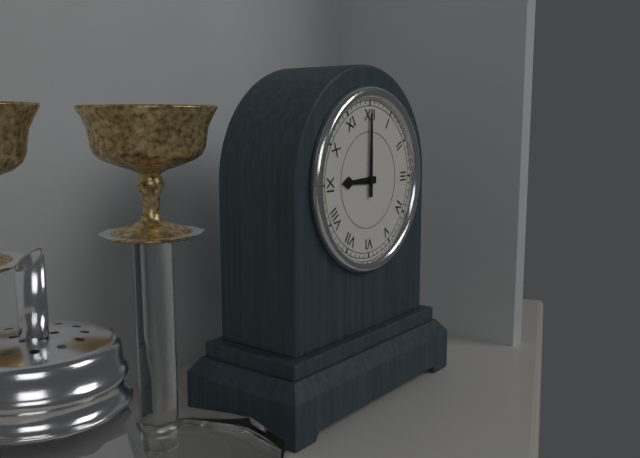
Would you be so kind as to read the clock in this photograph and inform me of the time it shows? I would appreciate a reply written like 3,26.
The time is 9,00
